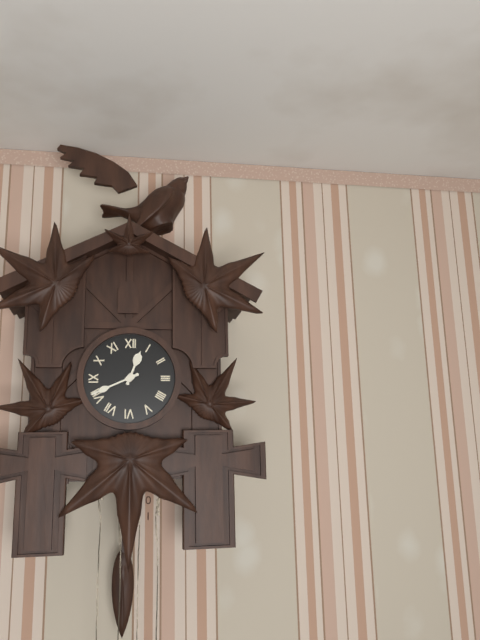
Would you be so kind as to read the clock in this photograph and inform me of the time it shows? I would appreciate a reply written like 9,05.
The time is 12,41
